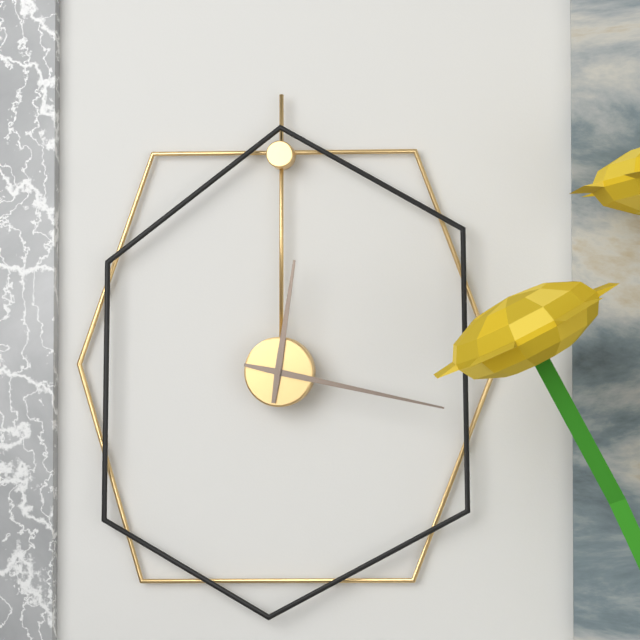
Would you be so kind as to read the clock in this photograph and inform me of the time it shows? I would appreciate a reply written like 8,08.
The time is 12,17
